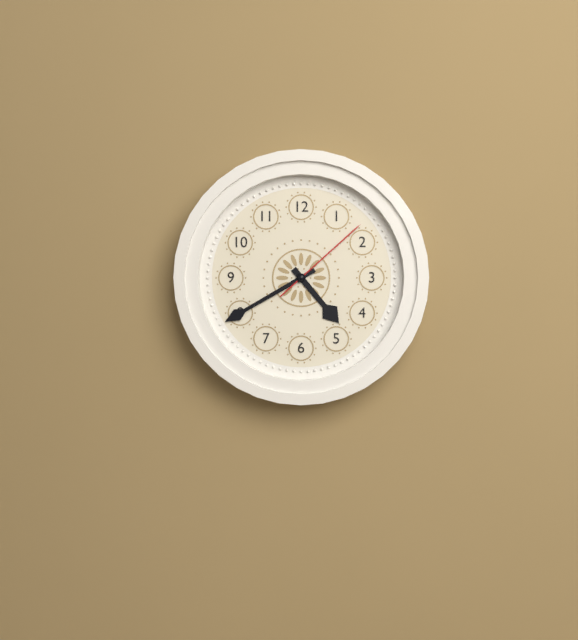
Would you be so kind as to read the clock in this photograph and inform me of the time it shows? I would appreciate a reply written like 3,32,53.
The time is 4,40,08
